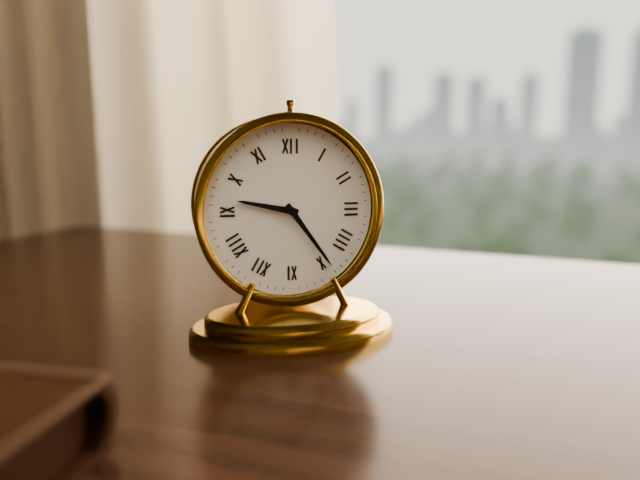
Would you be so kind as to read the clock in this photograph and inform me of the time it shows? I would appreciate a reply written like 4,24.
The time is 9,24
